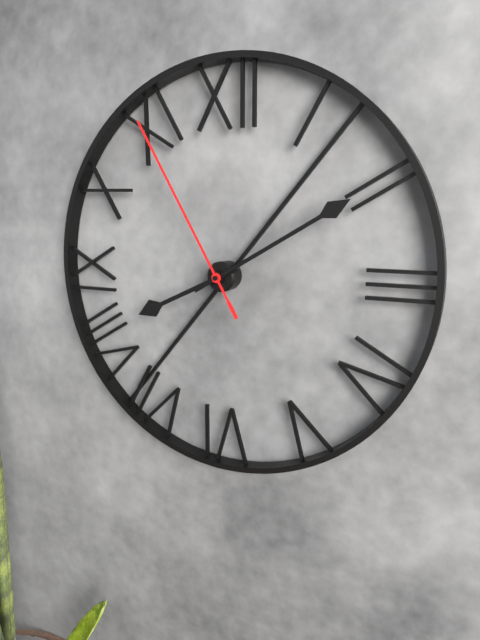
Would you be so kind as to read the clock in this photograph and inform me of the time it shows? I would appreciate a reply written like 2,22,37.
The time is 8,10,55
